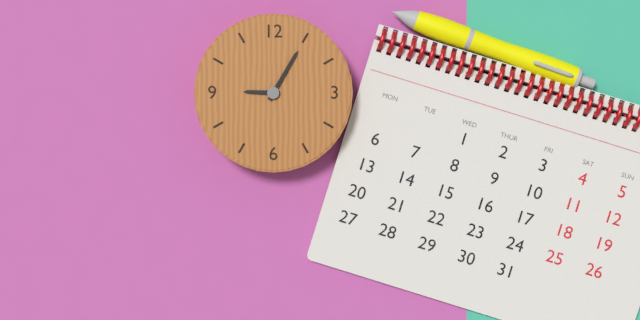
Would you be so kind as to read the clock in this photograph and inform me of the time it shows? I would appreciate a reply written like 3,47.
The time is 9,05
